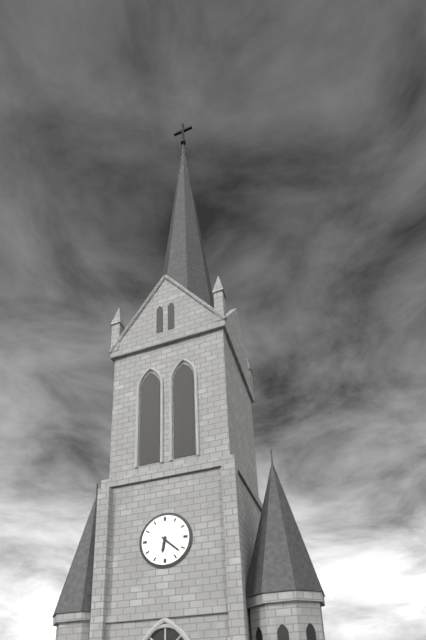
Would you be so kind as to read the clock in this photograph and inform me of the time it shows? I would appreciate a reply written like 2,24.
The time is 6,22
